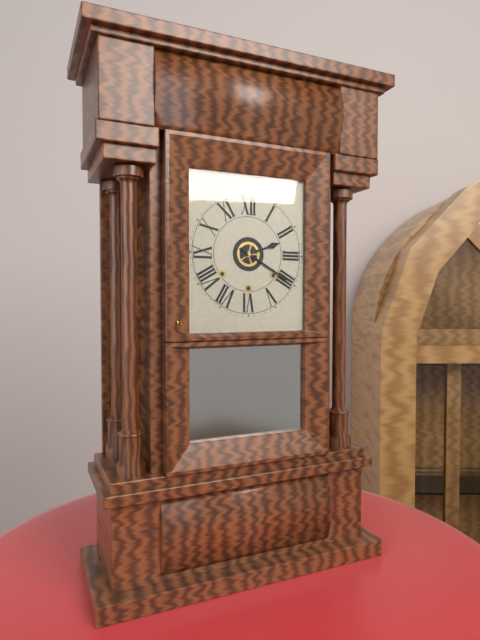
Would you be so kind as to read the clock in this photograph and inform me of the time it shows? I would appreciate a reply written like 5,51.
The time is 2,20
